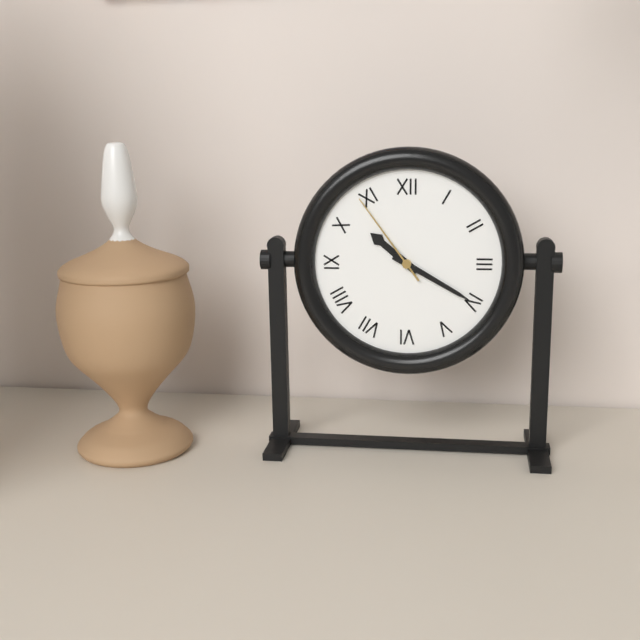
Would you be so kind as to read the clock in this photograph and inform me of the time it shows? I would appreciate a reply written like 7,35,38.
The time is 10,20,54
